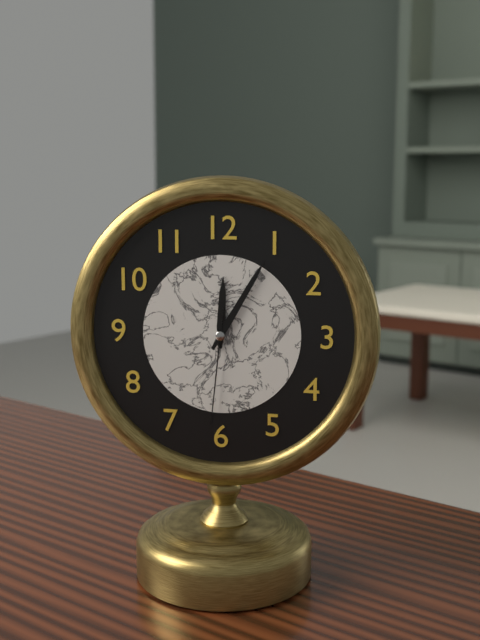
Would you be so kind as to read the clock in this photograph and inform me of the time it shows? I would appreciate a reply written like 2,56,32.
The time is 12,05,31
